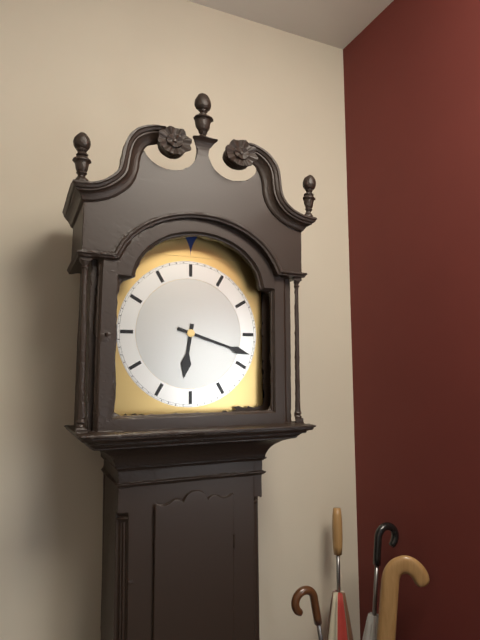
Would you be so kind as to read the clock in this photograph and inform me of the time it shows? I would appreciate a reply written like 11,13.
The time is 6,18
